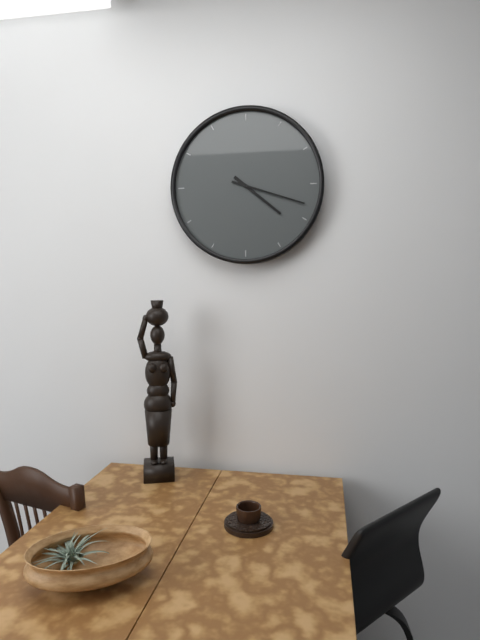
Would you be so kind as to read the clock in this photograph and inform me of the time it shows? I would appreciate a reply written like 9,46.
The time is 4,18
